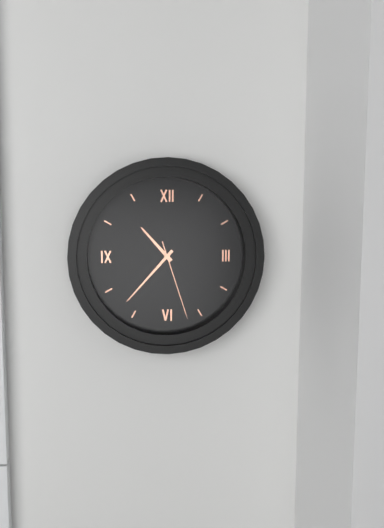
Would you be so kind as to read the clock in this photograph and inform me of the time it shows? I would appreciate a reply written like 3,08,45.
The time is 10,37,27
